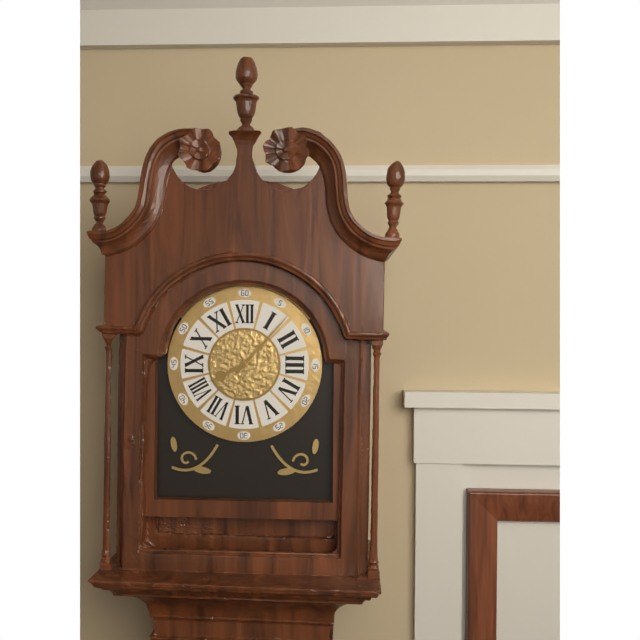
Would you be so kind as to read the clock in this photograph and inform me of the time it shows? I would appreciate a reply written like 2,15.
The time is 8,07
